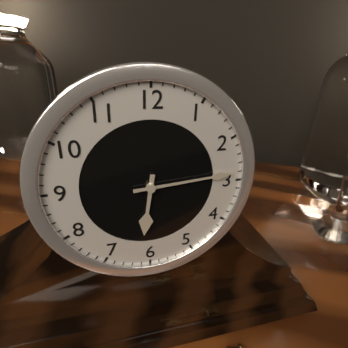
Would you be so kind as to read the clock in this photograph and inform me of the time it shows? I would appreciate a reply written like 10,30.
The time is 6,14
